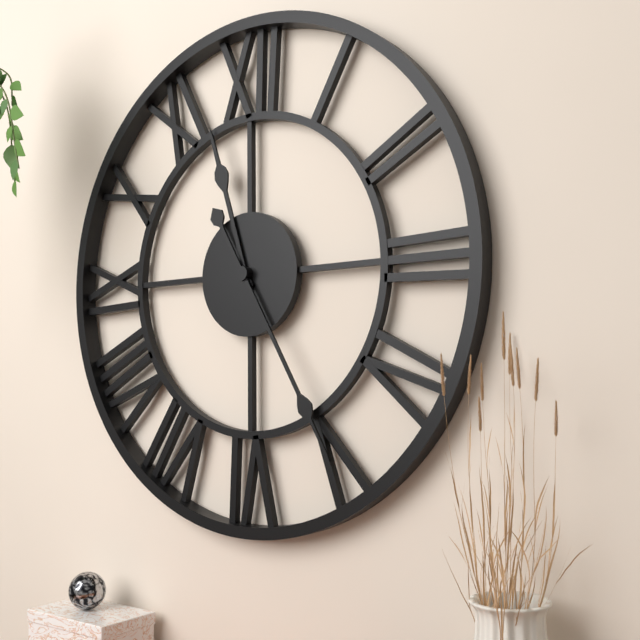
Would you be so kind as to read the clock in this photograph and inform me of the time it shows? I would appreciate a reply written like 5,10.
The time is 11,25
